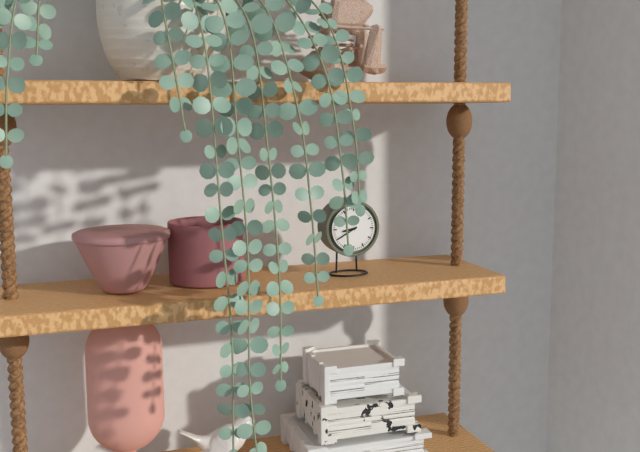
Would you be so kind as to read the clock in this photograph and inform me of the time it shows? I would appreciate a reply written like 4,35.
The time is 8,40
